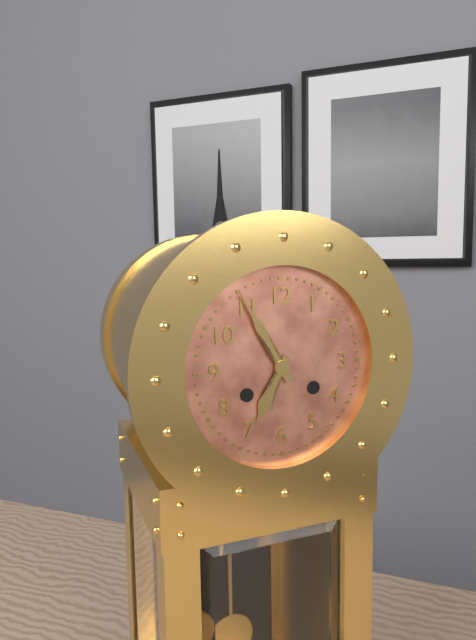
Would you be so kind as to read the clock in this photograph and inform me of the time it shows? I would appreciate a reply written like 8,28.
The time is 6,55
